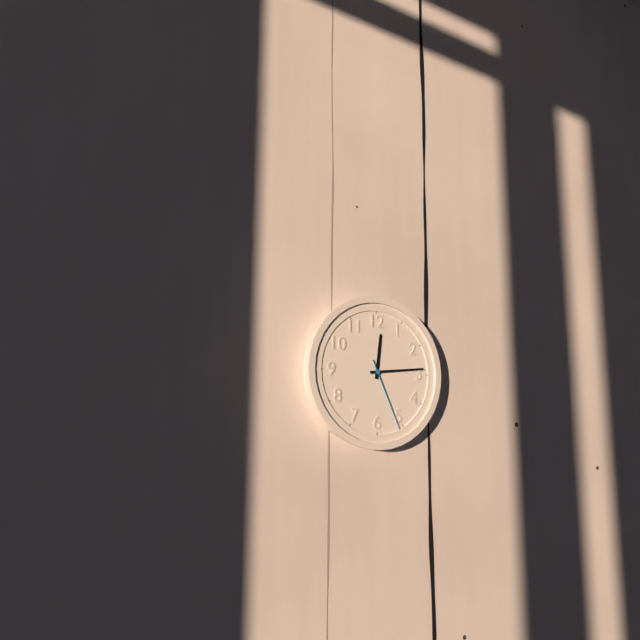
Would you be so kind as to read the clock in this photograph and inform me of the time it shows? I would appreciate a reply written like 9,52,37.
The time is 12,14,26
